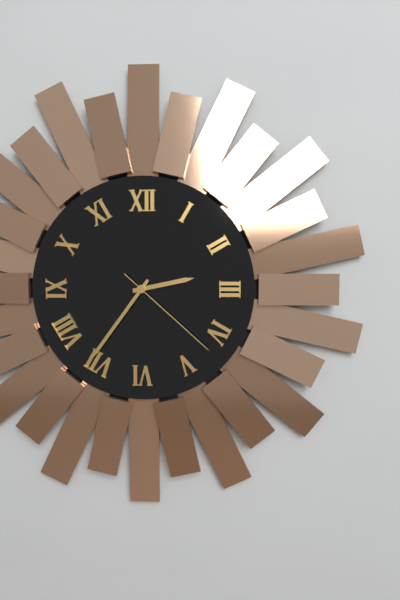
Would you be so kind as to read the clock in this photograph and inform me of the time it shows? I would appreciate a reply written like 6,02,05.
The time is 2,36,22
